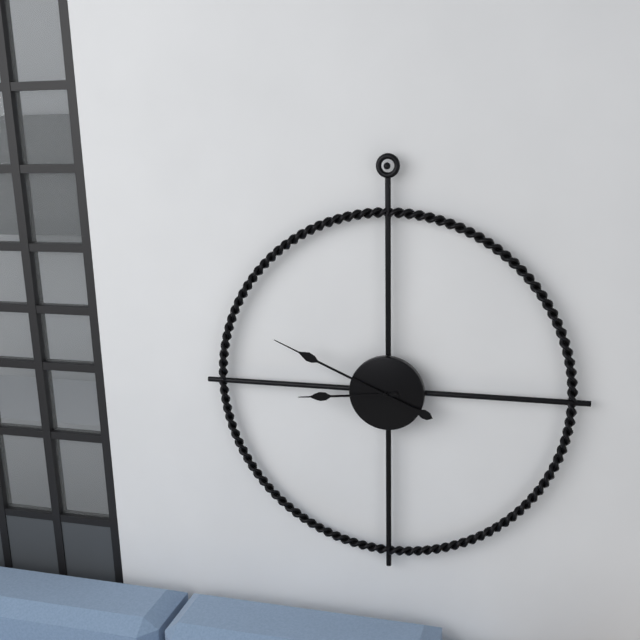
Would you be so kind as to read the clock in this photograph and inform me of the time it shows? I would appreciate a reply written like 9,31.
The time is 8,49
